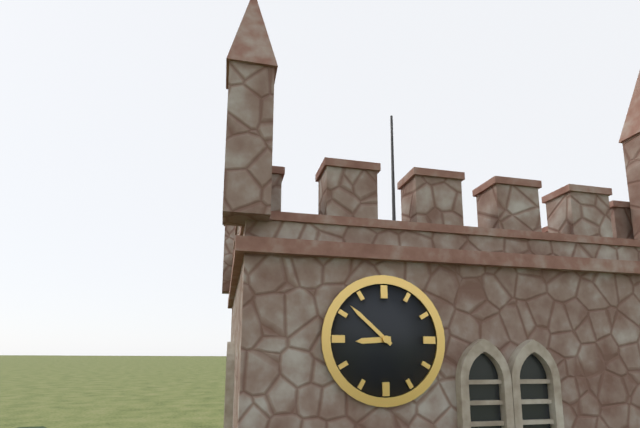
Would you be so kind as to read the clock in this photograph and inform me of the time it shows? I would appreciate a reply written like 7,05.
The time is 8,52
